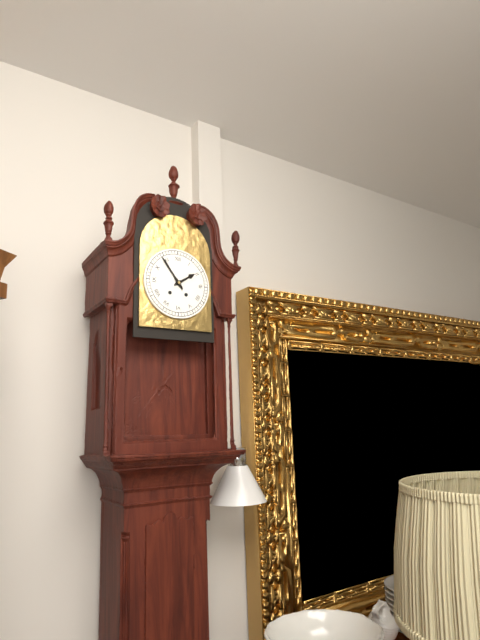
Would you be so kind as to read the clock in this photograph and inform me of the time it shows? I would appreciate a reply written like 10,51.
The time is 1,54
